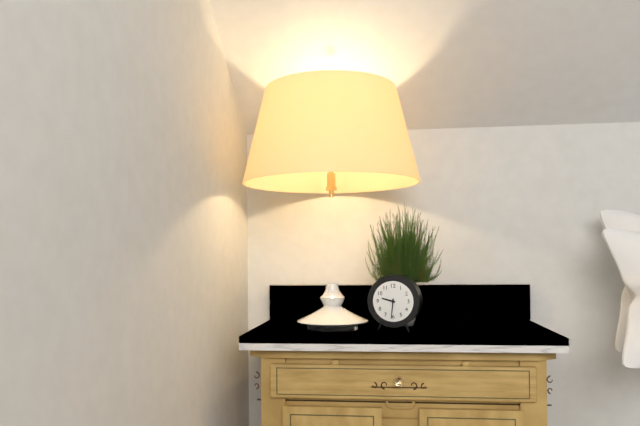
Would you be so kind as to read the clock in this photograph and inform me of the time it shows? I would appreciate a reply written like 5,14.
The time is 9,31
